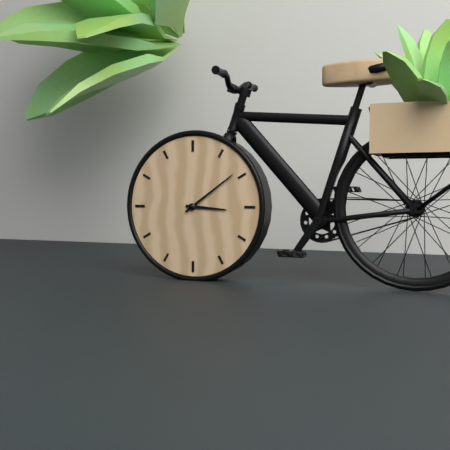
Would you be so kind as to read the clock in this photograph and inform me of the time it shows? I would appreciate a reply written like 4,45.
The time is 3,09
